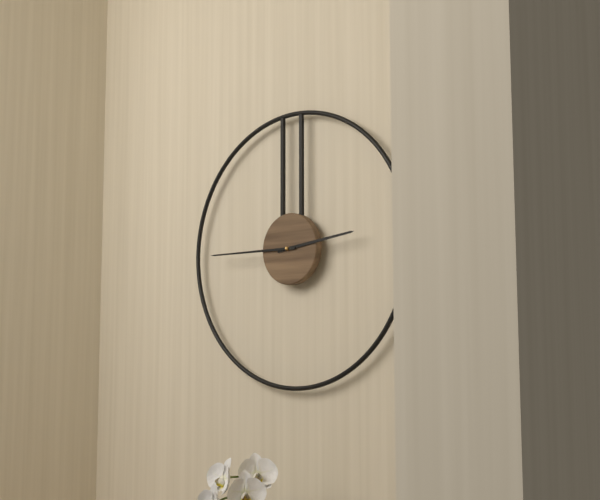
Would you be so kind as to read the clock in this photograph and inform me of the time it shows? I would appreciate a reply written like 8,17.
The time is 2,45
